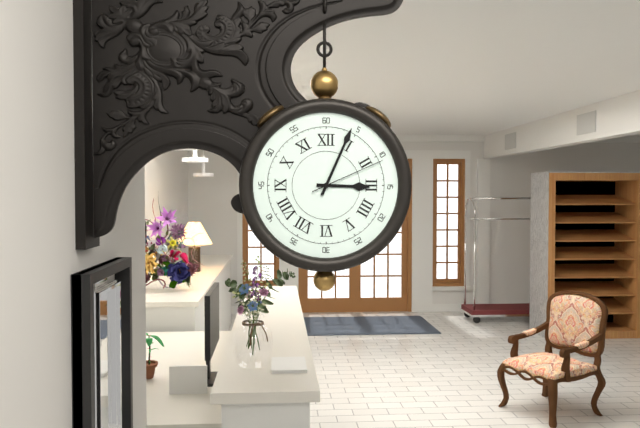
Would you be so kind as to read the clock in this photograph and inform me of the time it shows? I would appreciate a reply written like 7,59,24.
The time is 3,04,11
